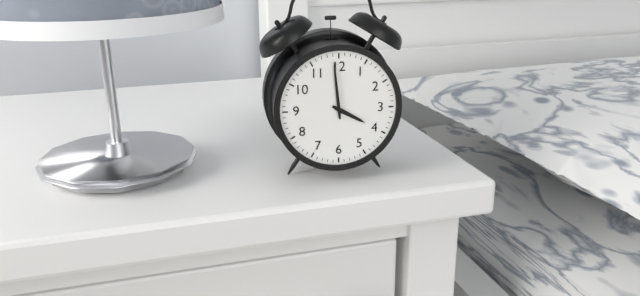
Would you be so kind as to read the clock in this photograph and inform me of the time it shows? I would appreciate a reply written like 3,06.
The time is 3,59
